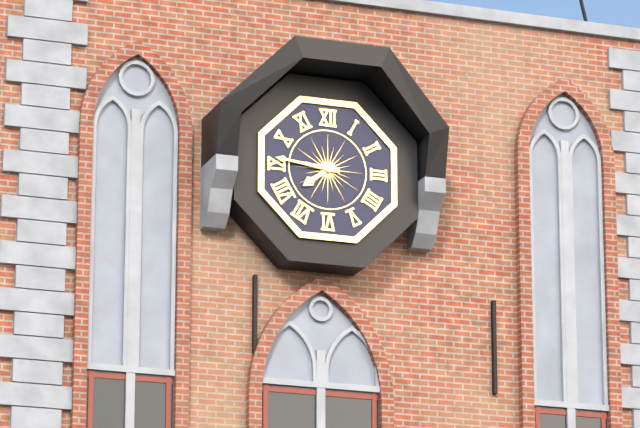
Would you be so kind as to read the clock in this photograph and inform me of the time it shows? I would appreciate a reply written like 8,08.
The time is 7,46
